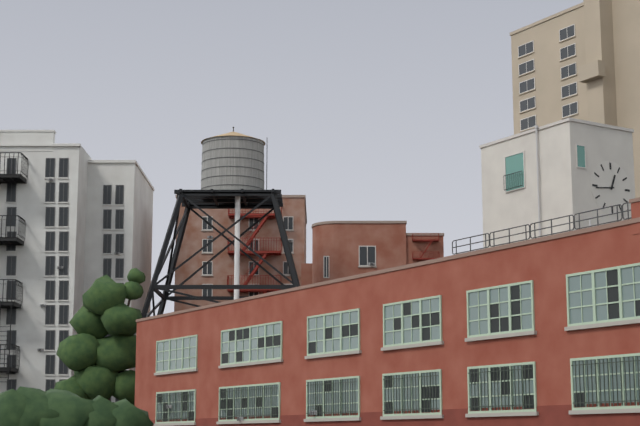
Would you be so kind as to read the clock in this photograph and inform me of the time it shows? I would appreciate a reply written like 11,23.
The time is 12,44
